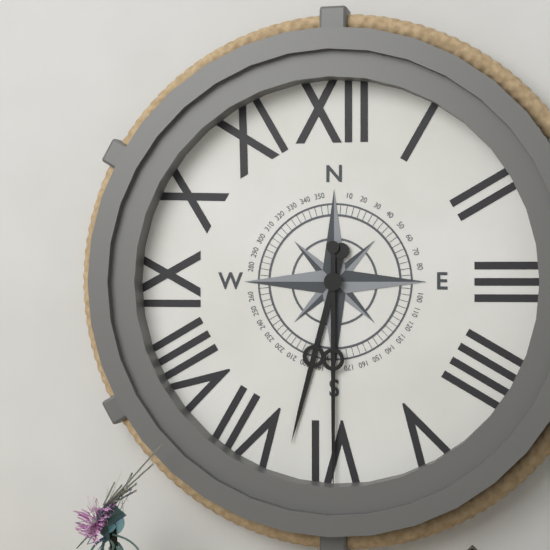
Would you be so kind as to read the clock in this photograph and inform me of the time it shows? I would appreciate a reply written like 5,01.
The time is 6,30
